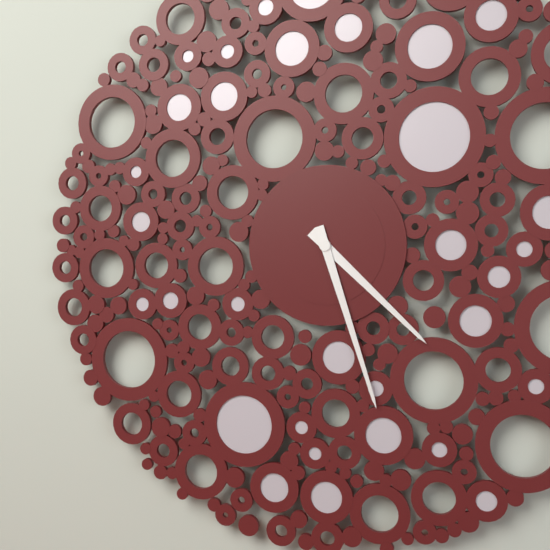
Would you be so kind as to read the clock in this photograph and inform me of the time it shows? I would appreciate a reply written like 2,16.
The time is 4,27
